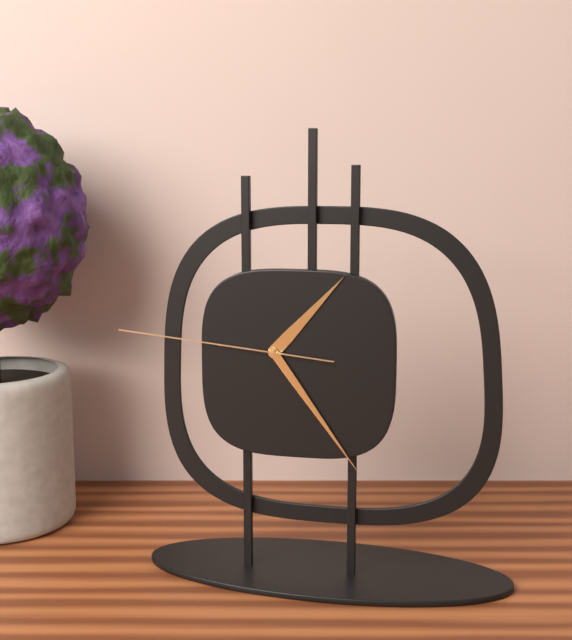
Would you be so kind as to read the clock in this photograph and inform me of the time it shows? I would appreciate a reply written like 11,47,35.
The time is 1,24,46
